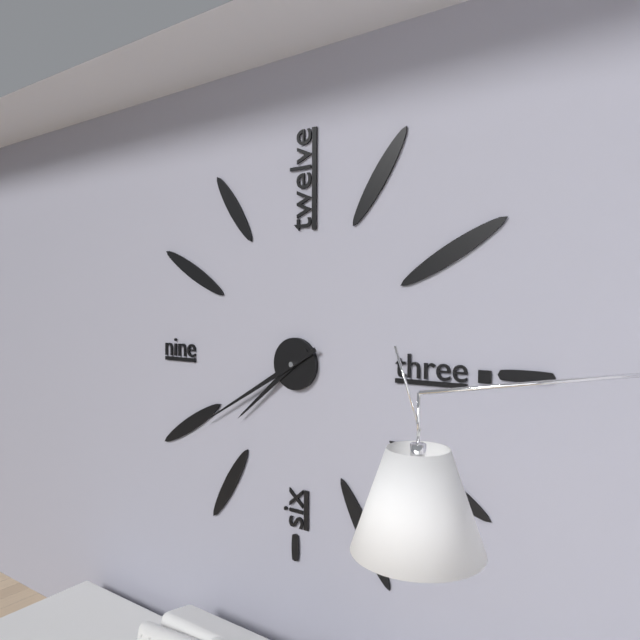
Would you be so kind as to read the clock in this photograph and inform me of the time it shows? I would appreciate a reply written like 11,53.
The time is 7,40
